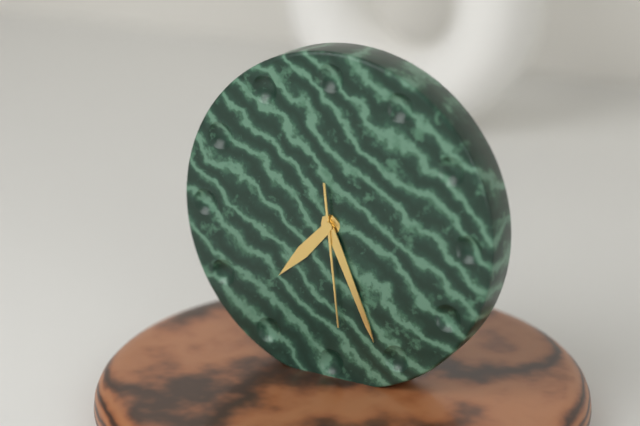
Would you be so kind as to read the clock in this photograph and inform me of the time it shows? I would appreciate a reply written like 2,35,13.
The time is 7,26,29
